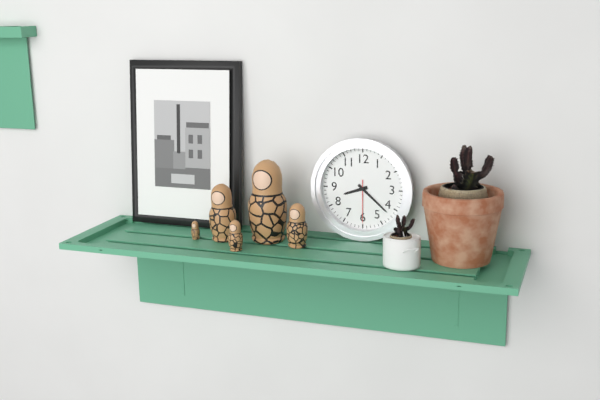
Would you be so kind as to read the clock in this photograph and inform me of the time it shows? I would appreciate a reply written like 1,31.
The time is 8,22
